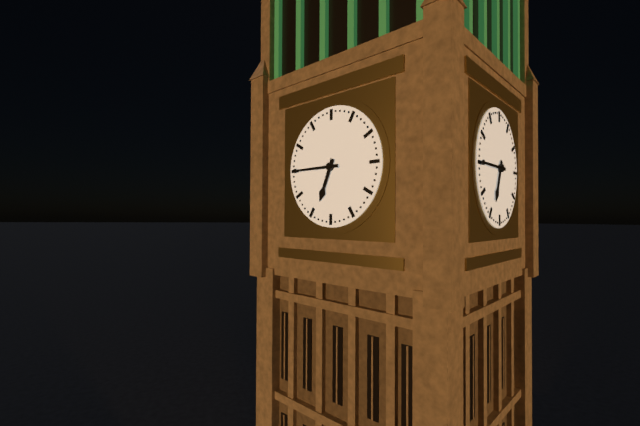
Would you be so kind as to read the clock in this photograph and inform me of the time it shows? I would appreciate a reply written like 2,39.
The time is 6,45
